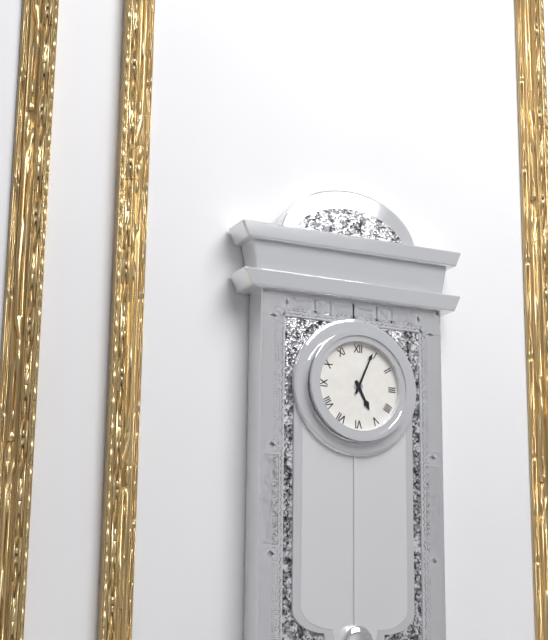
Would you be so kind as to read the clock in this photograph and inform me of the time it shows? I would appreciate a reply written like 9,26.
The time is 5,04
